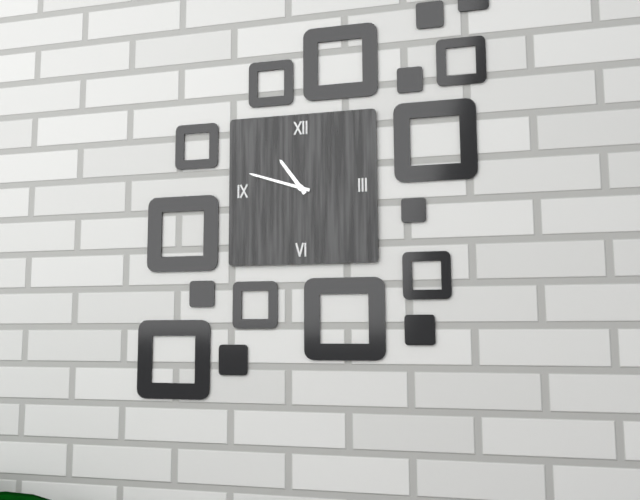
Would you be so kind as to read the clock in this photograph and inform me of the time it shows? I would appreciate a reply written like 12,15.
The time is 10,48
